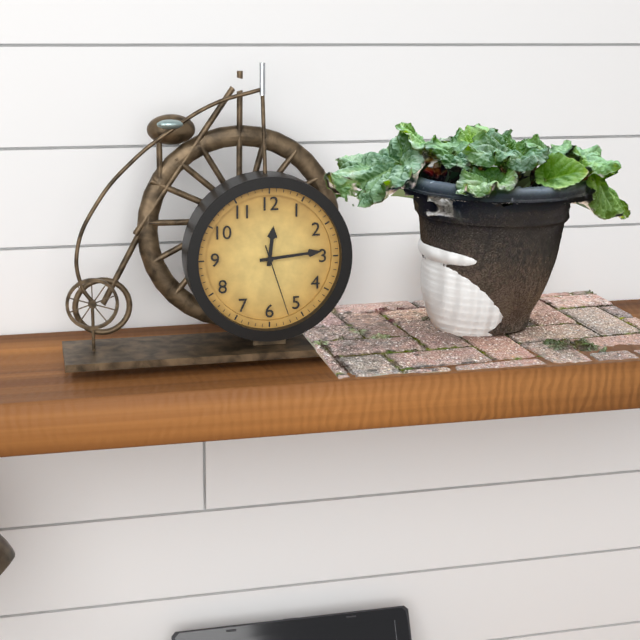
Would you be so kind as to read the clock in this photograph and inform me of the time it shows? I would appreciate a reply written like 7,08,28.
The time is 12,14,27
